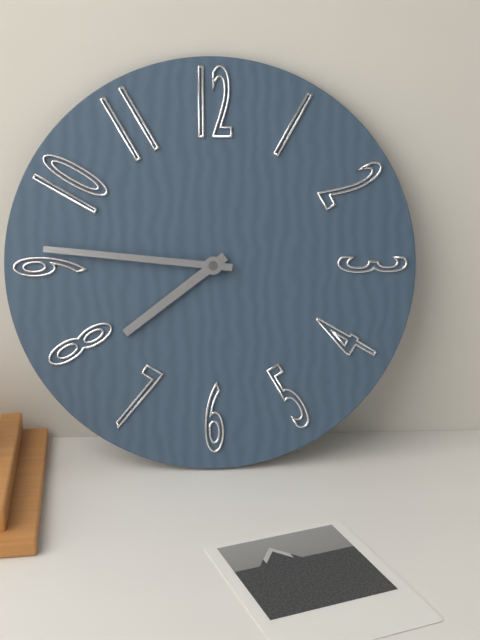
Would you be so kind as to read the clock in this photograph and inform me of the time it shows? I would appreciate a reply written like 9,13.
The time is 7,46
